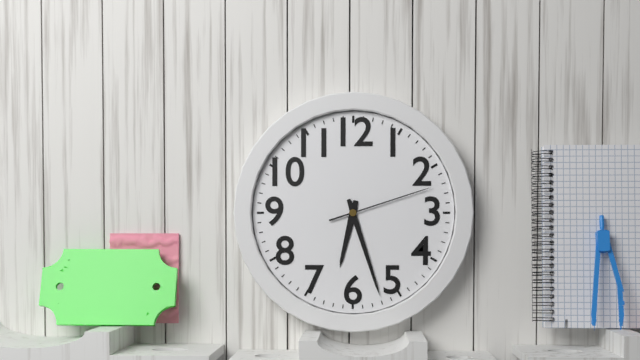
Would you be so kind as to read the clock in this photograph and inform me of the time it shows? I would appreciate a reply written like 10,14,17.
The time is 6,27,12
